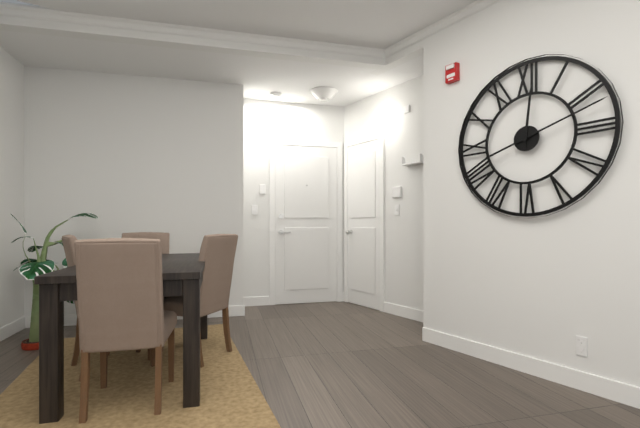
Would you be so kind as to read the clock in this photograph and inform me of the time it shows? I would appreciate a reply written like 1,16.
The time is 12,12
